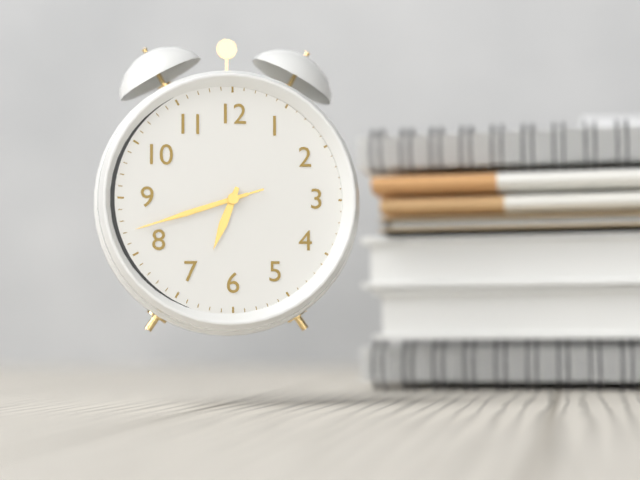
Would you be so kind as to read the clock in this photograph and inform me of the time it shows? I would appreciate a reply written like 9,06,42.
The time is 6,42,42
